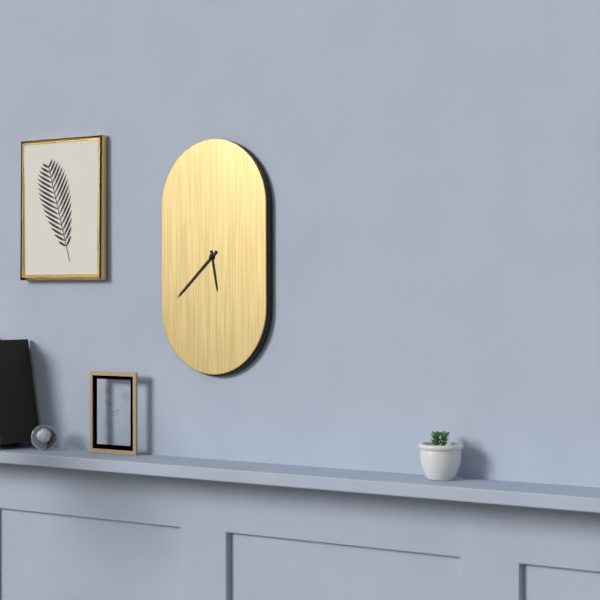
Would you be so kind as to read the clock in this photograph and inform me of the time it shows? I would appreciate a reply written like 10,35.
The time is 5,38
